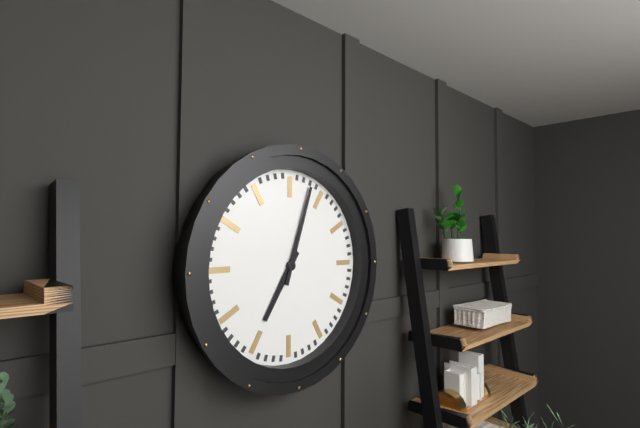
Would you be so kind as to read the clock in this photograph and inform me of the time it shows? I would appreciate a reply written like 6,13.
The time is 7,03
